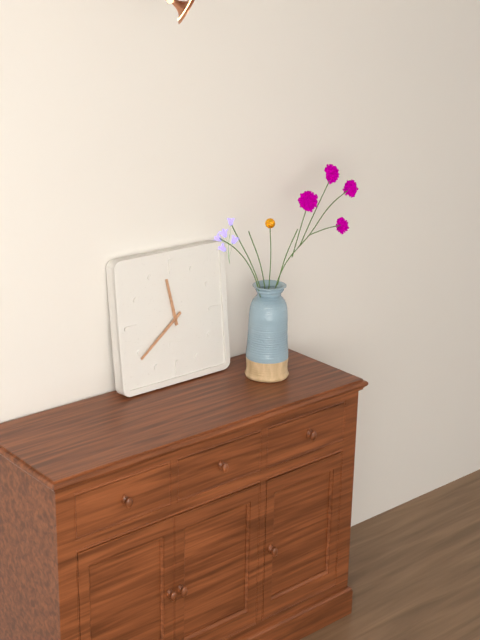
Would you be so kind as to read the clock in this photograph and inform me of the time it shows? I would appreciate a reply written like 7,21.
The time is 11,39
